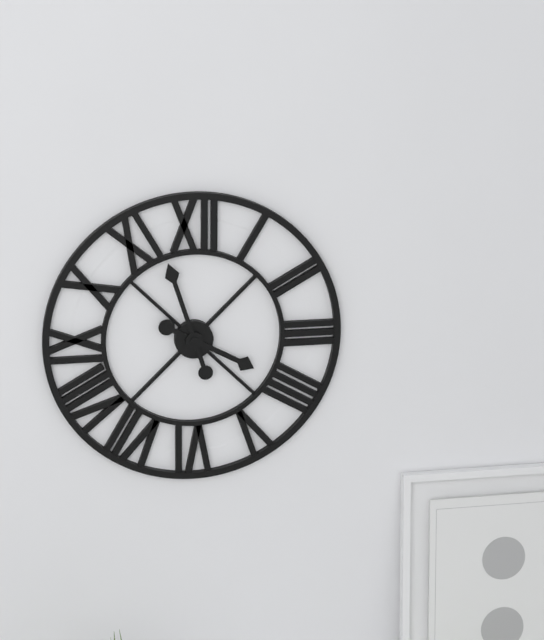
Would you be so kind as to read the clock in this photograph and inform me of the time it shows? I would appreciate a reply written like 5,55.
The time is 3,57
